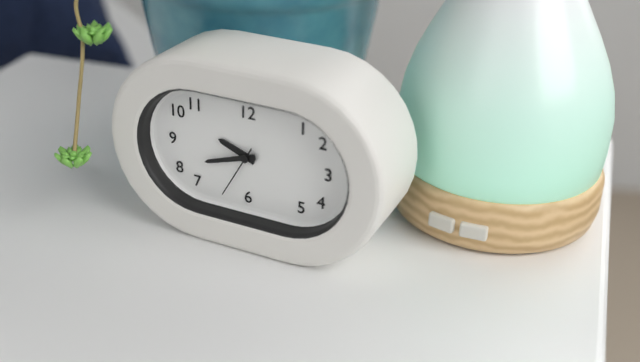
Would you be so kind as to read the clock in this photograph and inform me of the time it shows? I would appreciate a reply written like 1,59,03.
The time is 9,42,35
